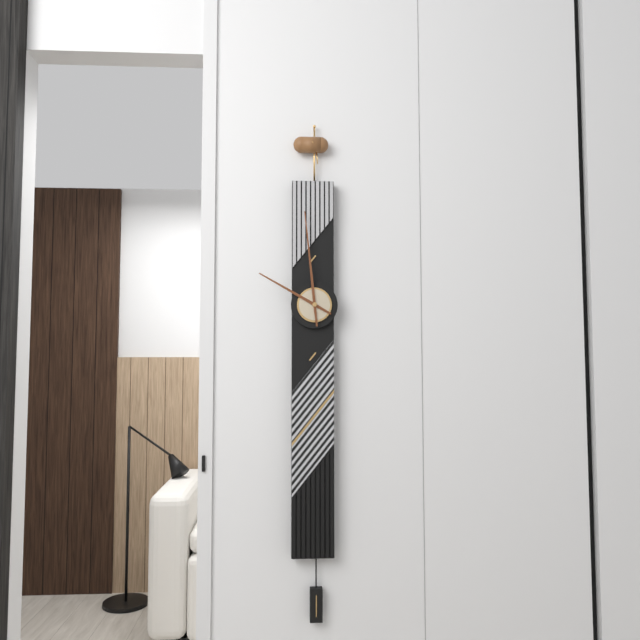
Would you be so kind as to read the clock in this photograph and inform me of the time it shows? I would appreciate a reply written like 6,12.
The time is 9,59
